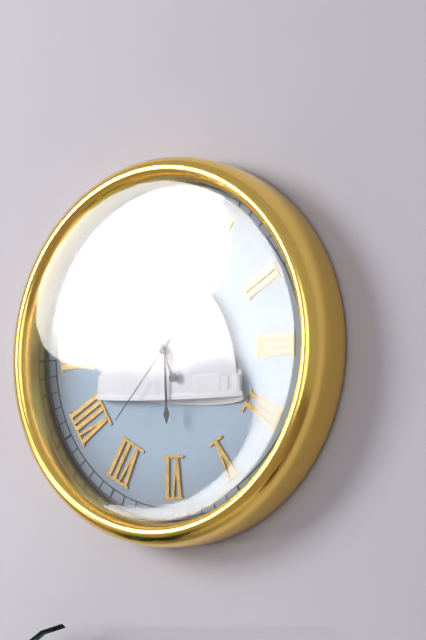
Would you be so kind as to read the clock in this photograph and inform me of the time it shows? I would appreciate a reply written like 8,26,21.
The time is 5,56,37
